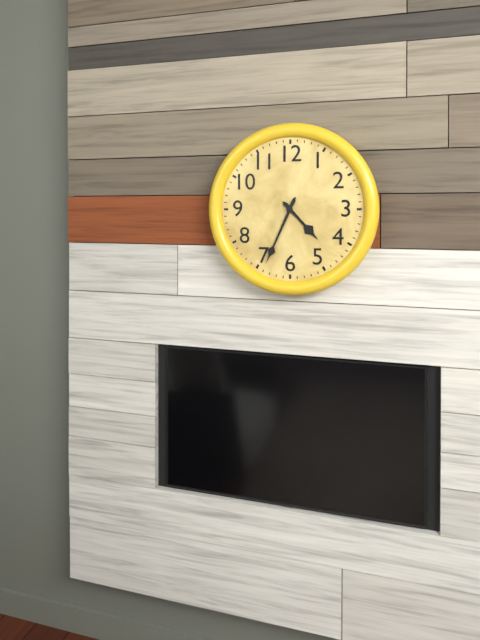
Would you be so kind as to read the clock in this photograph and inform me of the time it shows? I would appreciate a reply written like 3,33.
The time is 4,34
